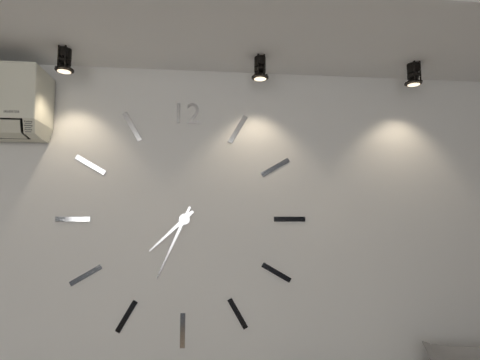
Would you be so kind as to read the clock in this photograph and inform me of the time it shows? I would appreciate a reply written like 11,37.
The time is 7,34
